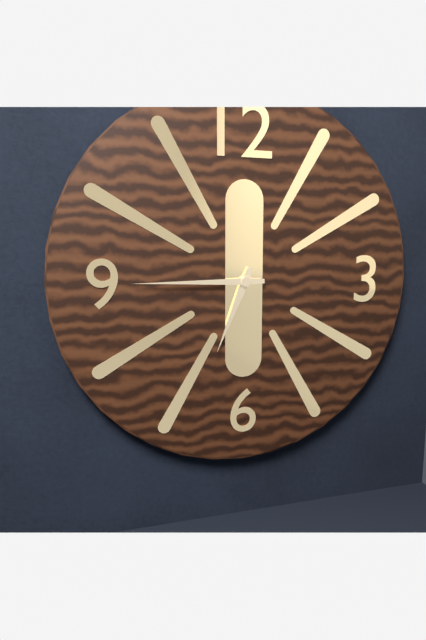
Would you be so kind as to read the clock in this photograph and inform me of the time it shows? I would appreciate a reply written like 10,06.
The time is 6,45
